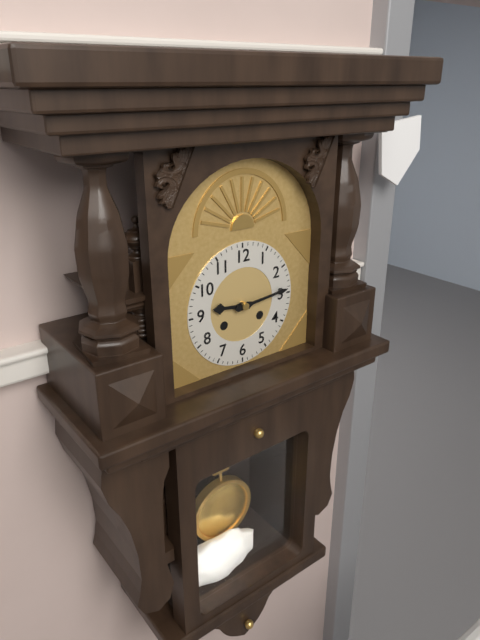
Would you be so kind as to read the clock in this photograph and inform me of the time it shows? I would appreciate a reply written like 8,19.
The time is 9,14
